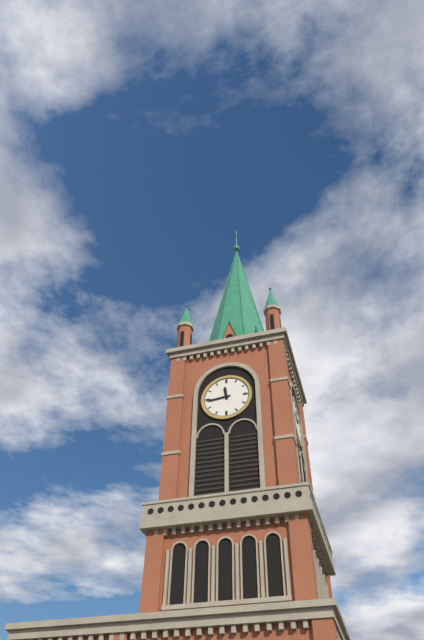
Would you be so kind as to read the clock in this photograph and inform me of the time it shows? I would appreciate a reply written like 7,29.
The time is 11,44
